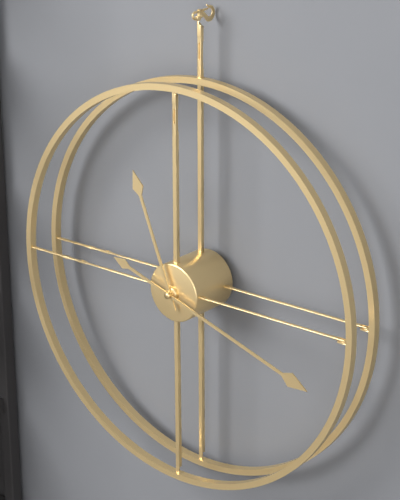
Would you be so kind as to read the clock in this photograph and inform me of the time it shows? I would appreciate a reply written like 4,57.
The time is 11,18
